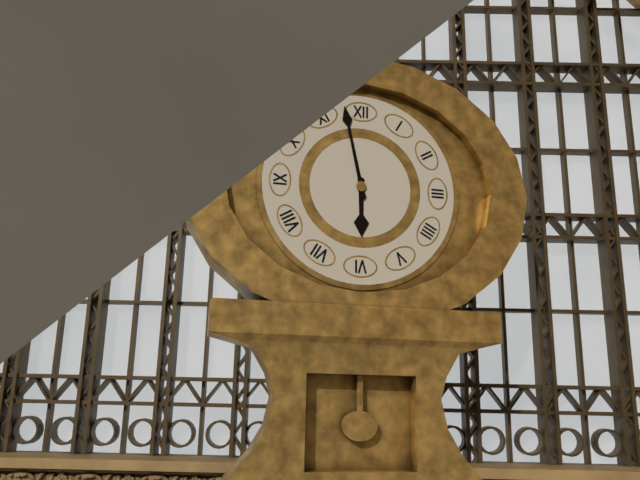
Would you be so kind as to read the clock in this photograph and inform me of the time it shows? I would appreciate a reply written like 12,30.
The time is 5,58
